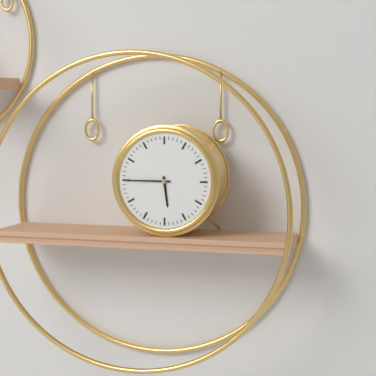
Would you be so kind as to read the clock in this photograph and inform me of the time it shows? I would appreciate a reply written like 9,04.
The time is 5,45
